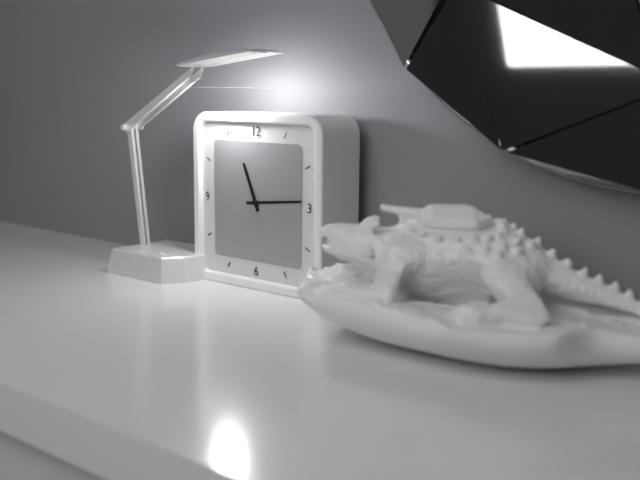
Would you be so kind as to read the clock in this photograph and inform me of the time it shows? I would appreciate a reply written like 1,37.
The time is 11,14
